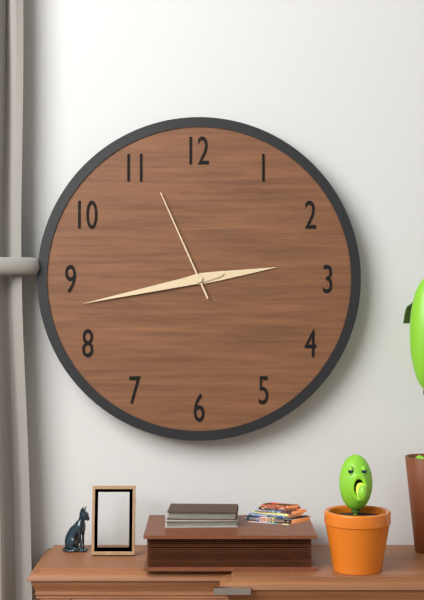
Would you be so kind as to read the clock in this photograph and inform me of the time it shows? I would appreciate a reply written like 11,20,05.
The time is 2,43,56
